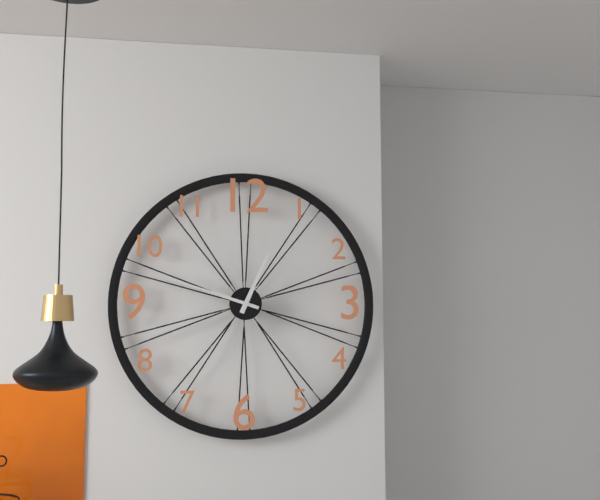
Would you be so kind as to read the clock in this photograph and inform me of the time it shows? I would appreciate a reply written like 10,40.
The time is 12,48
